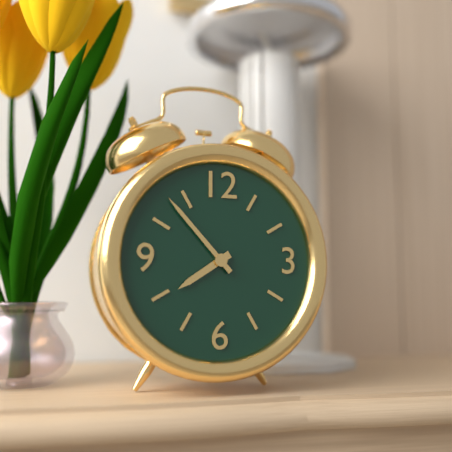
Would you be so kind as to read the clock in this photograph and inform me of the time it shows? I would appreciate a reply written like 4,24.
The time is 7,53
